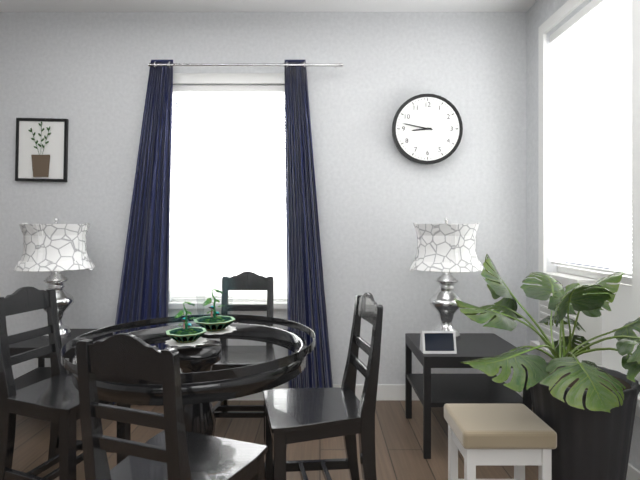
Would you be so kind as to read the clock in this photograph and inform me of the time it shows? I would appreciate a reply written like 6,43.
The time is 8,47
